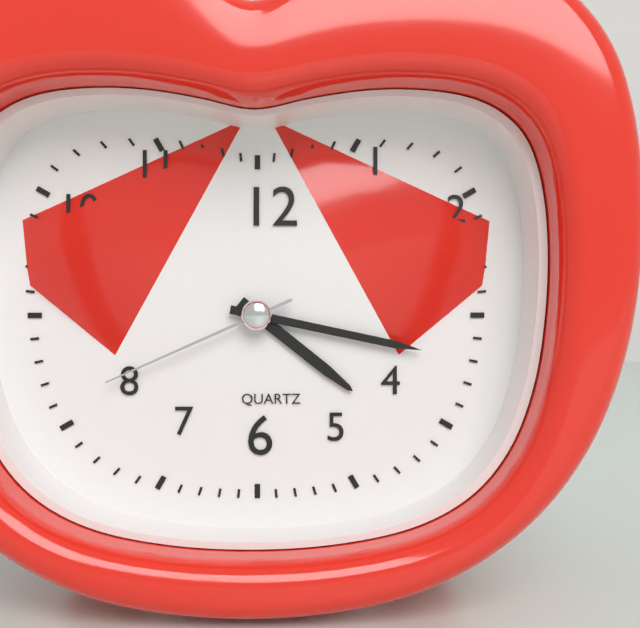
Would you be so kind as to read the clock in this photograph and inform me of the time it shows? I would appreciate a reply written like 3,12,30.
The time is 4,17,41
